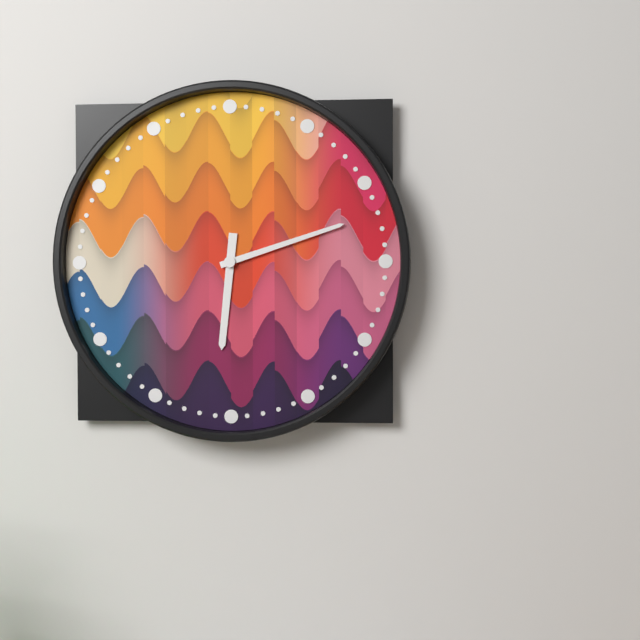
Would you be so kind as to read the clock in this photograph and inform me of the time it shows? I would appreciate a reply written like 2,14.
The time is 6,12
